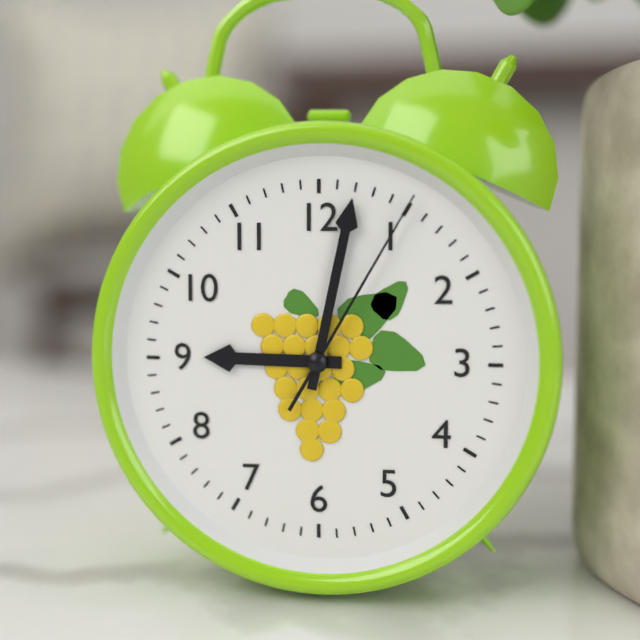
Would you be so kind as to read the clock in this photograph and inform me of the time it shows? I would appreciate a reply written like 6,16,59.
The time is 9,02,05
